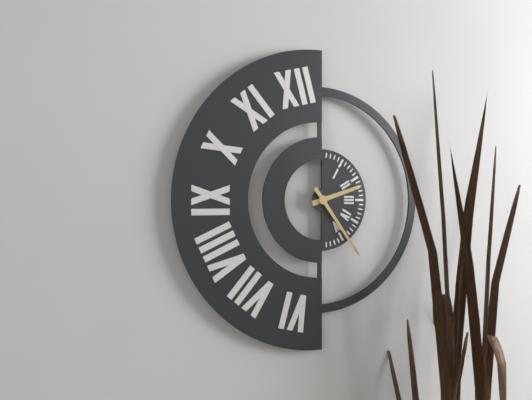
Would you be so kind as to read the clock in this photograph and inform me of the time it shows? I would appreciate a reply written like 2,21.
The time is 2,24
